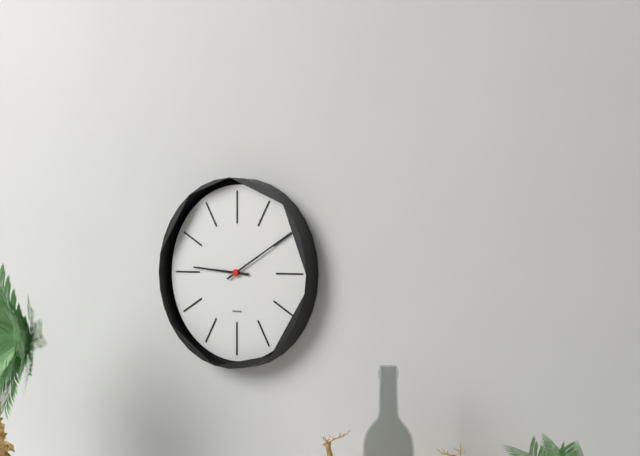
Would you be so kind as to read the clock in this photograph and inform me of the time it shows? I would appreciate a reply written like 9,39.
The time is 9,10
